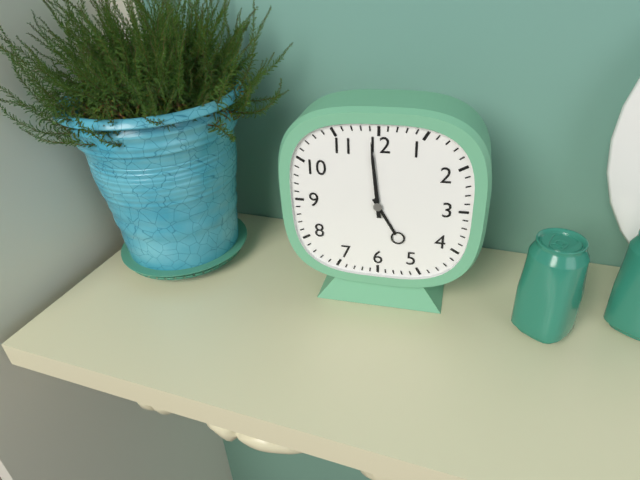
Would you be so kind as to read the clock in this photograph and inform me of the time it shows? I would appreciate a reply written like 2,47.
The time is 4,59
